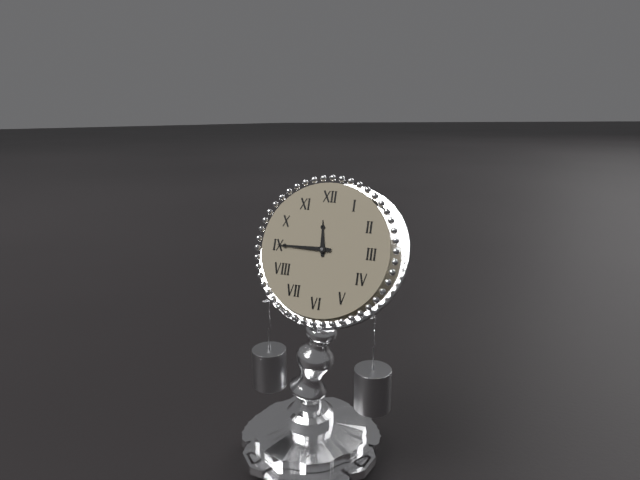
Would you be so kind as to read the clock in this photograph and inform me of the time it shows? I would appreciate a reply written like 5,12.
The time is 11,45
